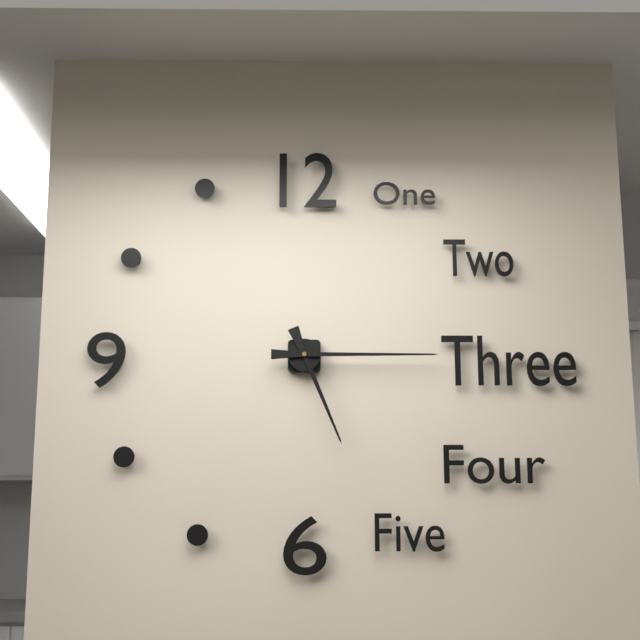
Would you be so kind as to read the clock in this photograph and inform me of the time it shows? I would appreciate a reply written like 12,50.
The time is 5,15
